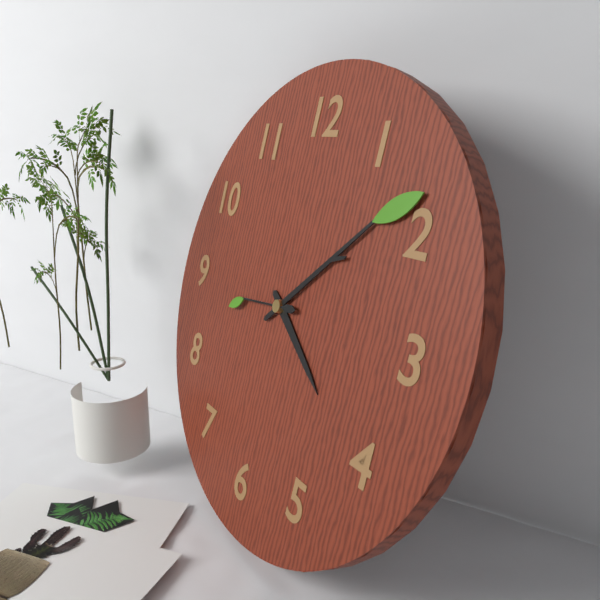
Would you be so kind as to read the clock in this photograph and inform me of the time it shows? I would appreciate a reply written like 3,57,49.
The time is 4,08,44
